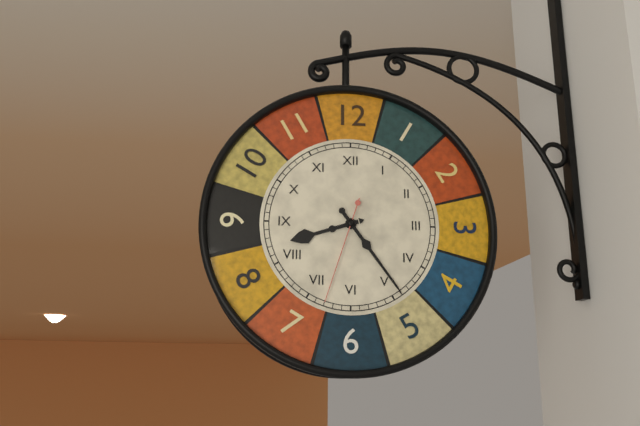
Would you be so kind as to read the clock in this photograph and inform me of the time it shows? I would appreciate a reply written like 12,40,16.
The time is 8,24,33
